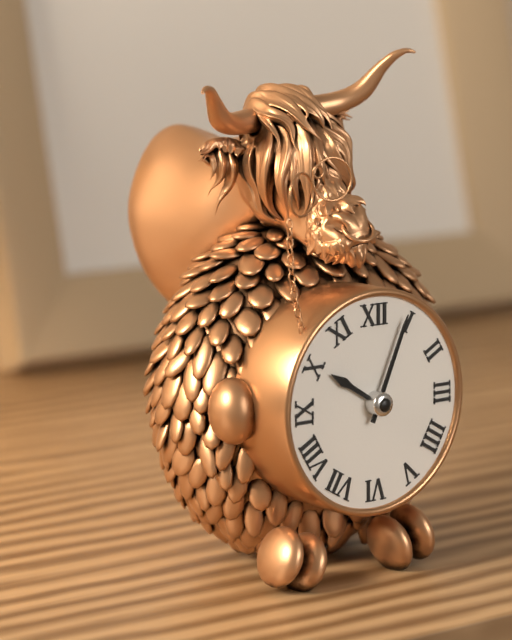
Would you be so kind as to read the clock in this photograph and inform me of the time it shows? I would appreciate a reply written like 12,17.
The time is 10,04
